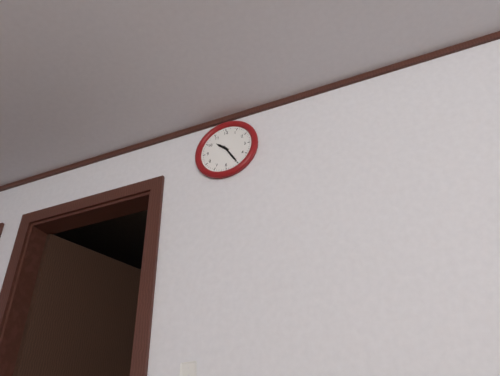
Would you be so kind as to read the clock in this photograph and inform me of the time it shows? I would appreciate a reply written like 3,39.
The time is 10,25
